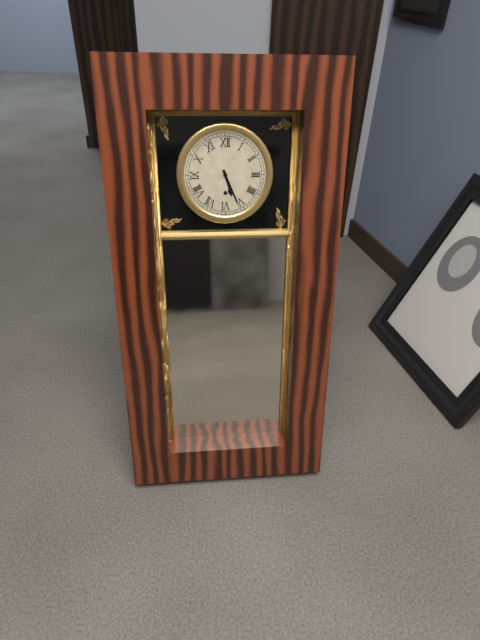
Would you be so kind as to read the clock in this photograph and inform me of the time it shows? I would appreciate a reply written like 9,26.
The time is 5,26
